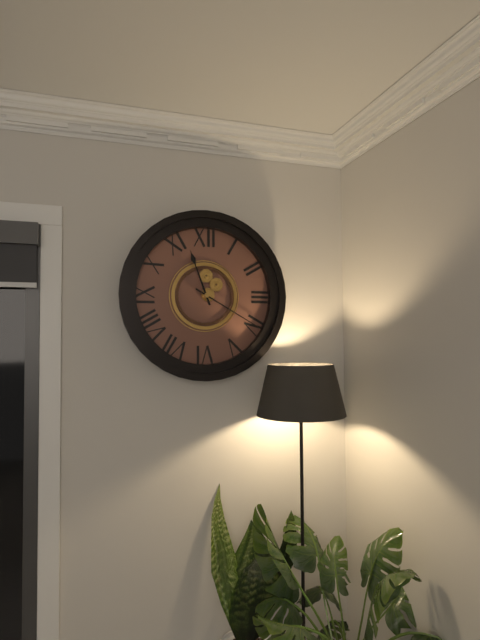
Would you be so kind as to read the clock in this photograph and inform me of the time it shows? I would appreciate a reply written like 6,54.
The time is 11,20
